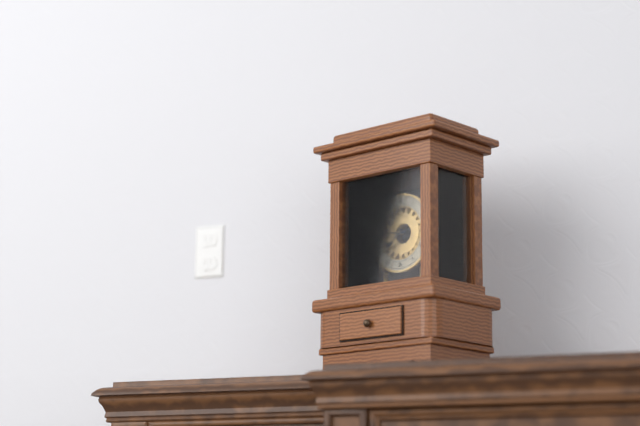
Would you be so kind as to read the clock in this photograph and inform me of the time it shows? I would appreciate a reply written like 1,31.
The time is 7,46
